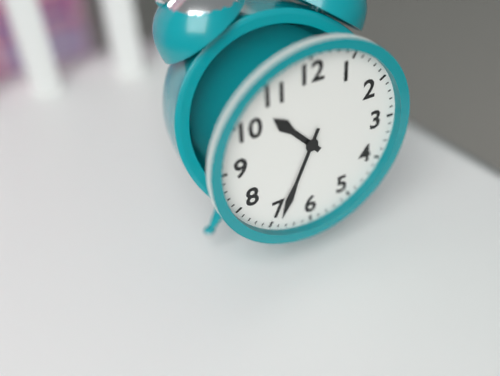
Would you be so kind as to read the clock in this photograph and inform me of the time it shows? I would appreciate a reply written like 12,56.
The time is 10,34
